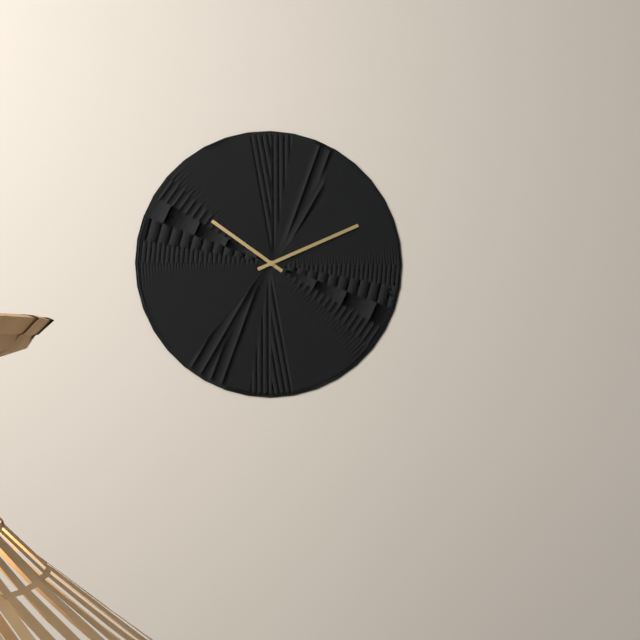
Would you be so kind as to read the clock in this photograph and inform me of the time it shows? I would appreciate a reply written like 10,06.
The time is 10,11
